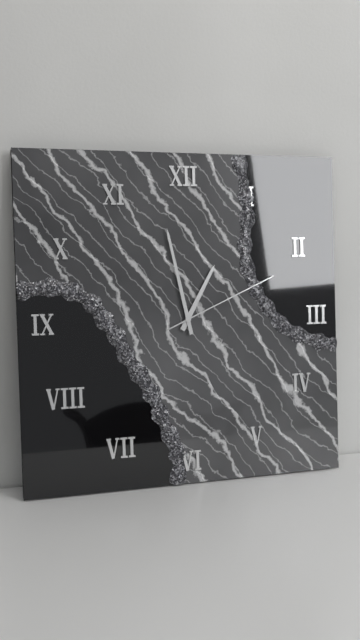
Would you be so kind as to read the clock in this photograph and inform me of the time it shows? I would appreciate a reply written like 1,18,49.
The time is 12,58,11
